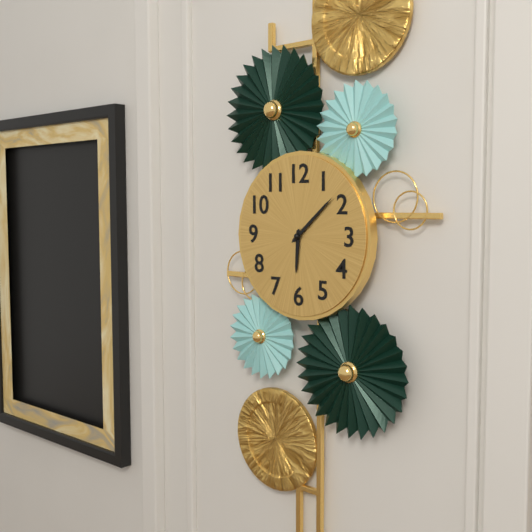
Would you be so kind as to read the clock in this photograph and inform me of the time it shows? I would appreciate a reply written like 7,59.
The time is 6,08
